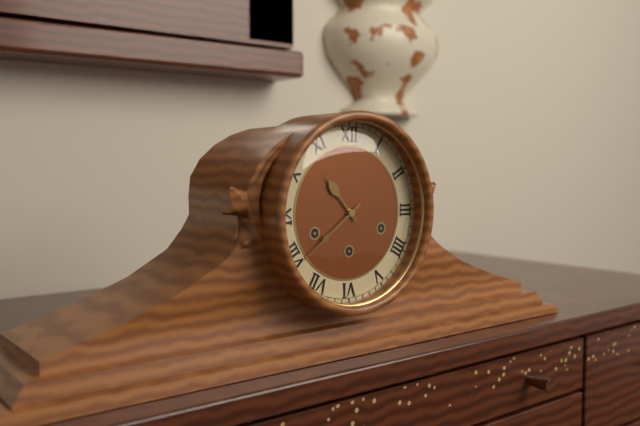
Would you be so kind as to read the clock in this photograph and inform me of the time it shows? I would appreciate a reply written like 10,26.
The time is 10,39
